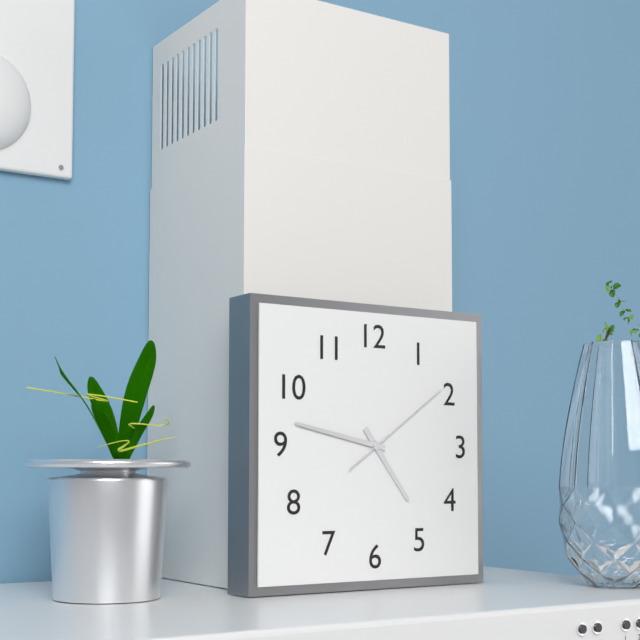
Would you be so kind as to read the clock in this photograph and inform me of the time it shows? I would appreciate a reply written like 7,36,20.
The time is 4,47,09
